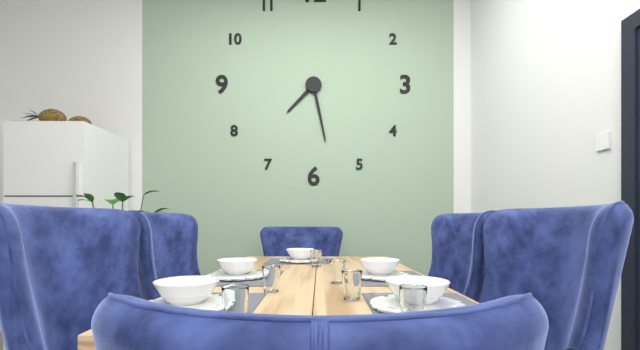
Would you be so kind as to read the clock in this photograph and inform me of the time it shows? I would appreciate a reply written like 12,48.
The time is 7,28
